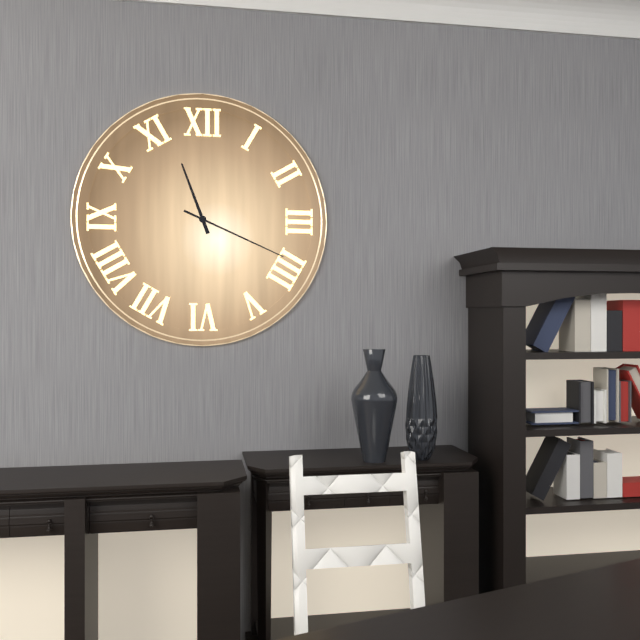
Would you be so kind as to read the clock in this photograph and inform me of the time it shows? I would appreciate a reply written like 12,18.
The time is 11,19
